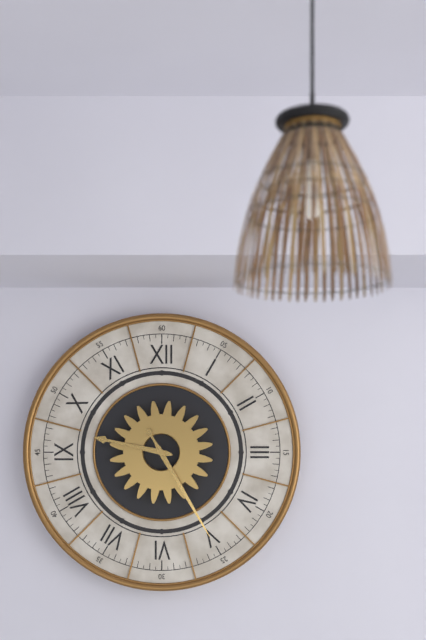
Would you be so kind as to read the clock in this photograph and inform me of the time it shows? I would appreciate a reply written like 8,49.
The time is 9,25
